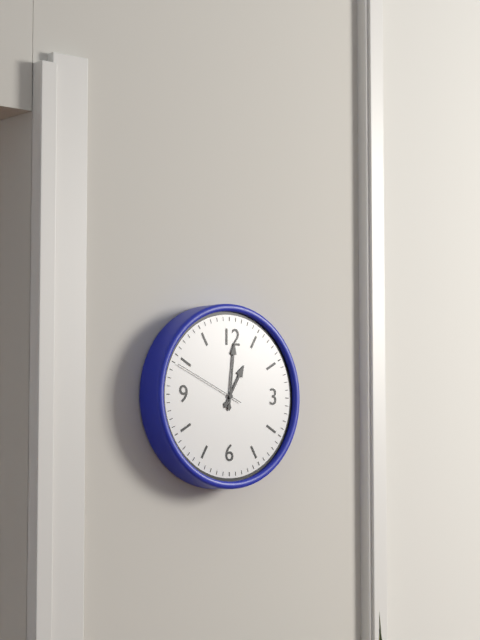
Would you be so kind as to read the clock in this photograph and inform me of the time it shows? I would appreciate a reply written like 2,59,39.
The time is 1,01,49
